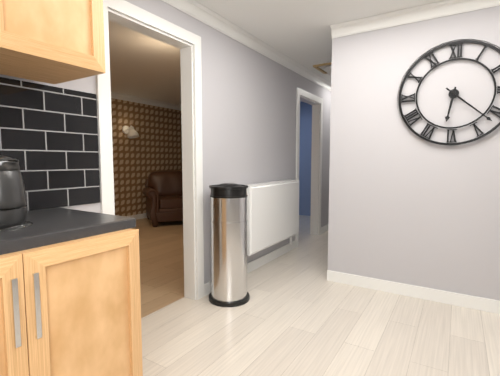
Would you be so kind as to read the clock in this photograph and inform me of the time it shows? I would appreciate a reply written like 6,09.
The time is 6,22
